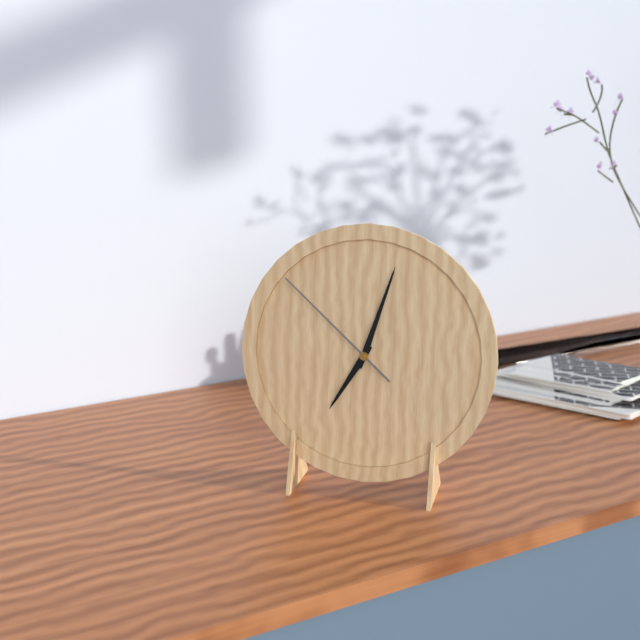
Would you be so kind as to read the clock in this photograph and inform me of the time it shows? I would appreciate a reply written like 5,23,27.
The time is 7,03,52
